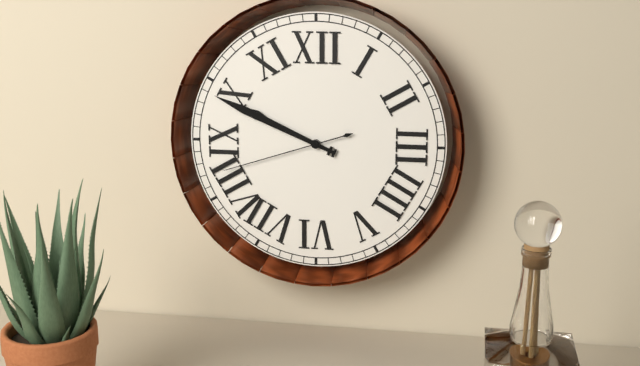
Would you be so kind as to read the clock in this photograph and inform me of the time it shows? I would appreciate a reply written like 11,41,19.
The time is 9,49,42
